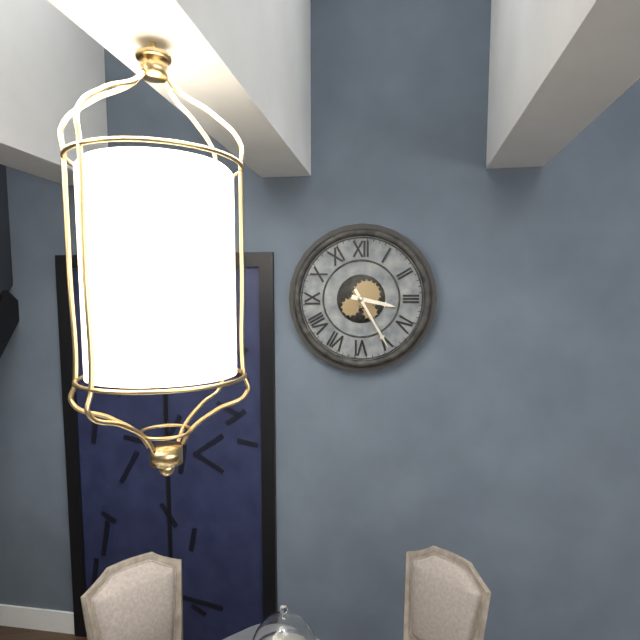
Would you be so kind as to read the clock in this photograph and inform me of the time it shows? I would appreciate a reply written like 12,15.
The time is 3,25
